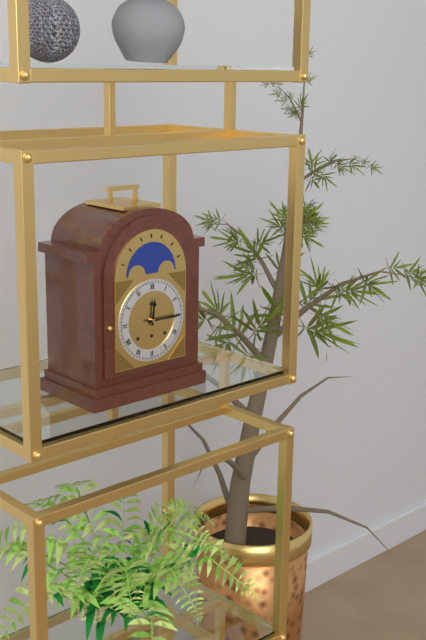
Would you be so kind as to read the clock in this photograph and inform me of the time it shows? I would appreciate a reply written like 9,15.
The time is 12,15
